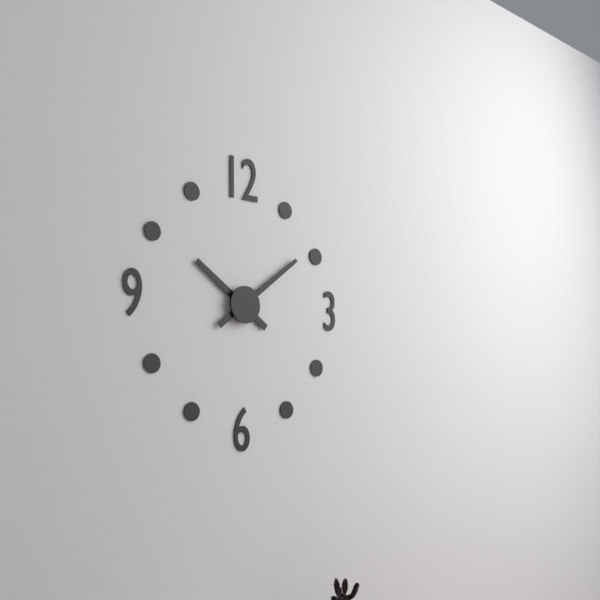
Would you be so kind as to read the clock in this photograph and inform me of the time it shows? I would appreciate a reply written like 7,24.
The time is 10,09
